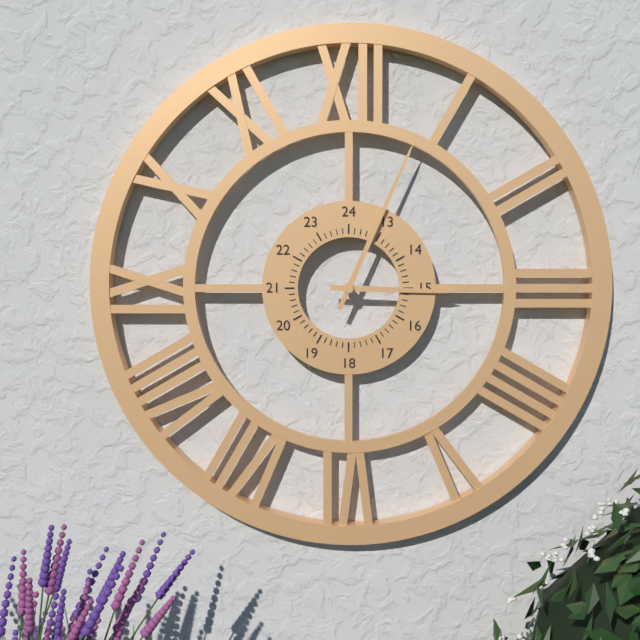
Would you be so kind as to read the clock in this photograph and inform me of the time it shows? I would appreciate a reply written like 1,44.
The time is 3,04
